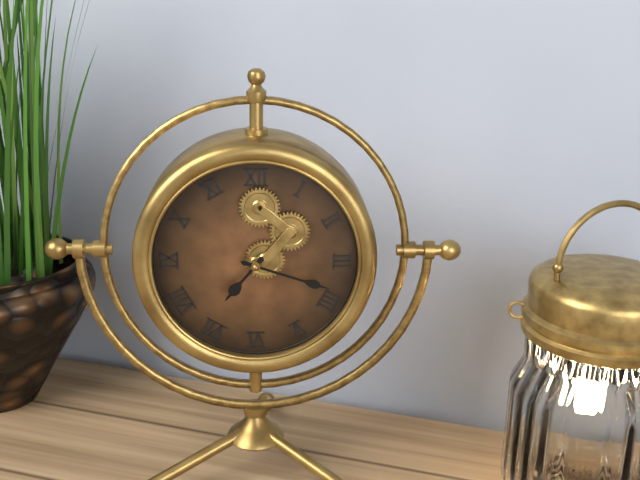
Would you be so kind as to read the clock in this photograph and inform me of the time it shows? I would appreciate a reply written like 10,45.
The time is 7,18
